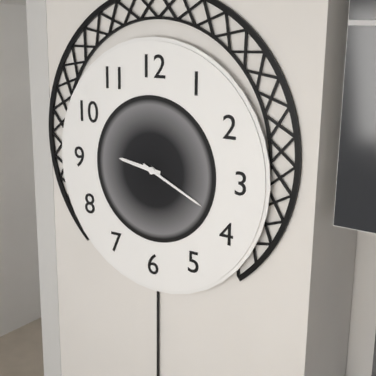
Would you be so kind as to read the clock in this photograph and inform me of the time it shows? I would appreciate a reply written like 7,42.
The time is 9,19
